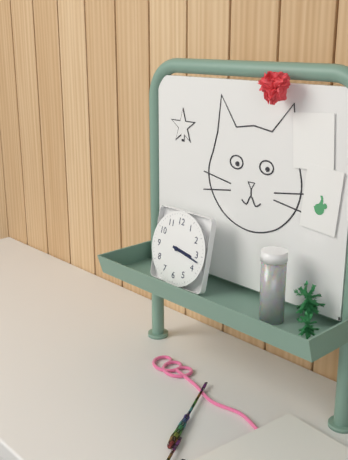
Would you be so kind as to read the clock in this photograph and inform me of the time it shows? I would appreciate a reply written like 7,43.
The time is 3,17
